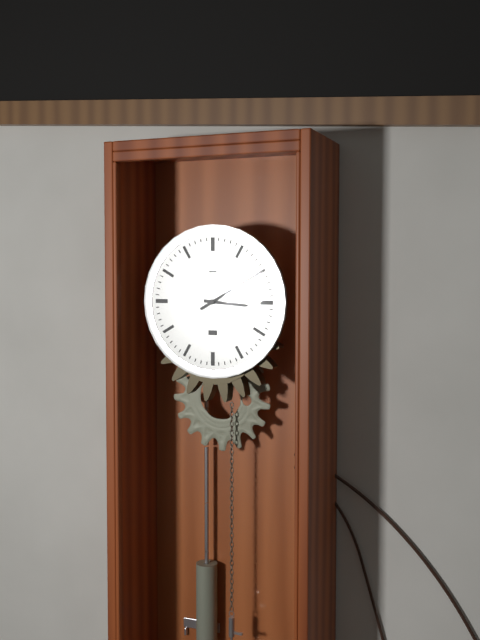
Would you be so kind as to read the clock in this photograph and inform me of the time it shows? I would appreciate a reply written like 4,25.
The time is 3,10
